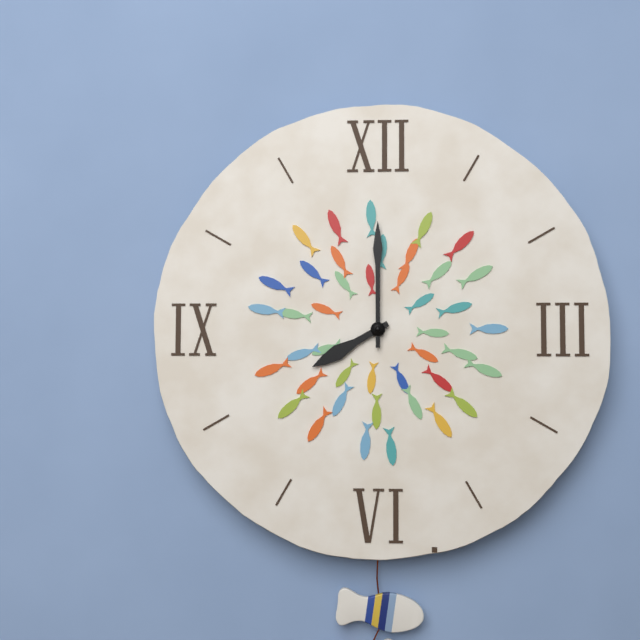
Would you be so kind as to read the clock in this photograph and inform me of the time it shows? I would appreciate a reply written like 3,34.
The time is 8,00
